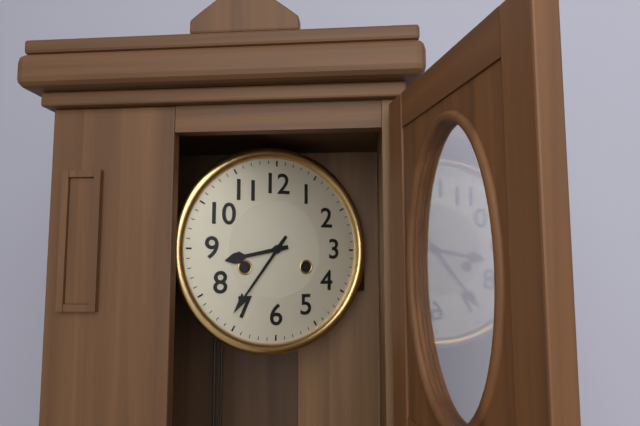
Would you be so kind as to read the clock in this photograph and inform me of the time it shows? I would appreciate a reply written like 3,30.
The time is 8,36
